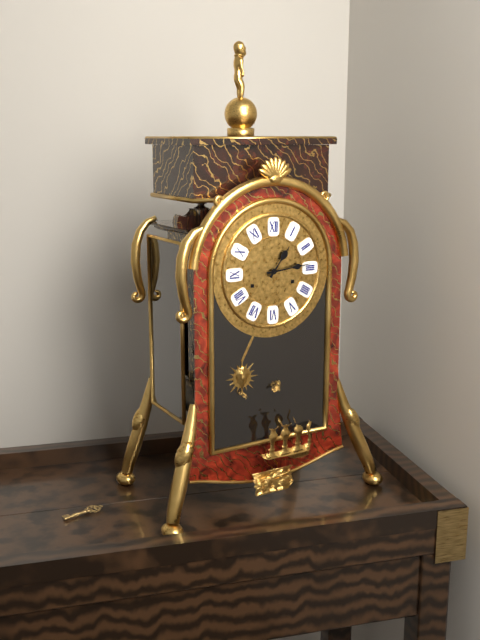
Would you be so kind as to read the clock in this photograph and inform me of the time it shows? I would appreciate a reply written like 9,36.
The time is 1,14
